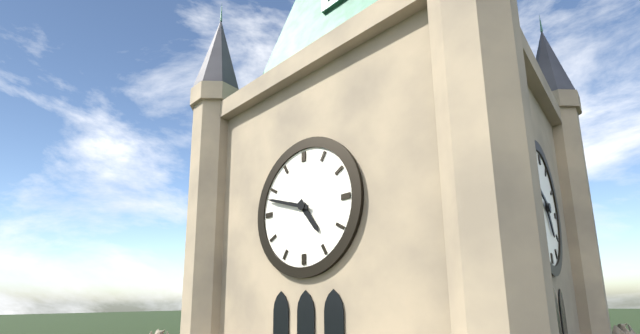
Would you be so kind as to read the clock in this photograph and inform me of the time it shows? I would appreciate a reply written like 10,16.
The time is 4,48
